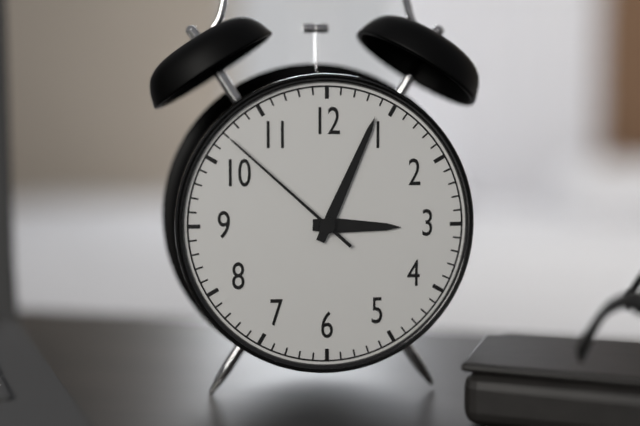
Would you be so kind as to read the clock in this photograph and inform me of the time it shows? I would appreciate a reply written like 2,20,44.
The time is 3,04,52
